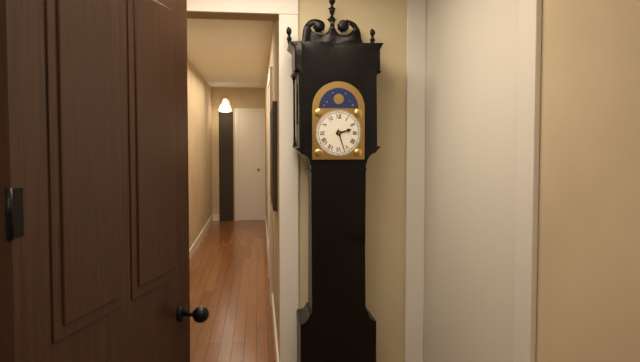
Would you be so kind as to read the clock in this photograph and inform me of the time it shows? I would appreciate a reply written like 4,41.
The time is 2,27
